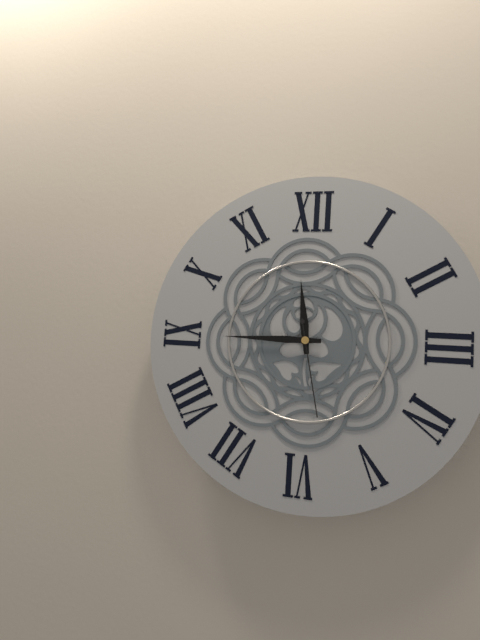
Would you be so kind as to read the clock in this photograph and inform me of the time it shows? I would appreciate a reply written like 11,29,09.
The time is 11,45,28
